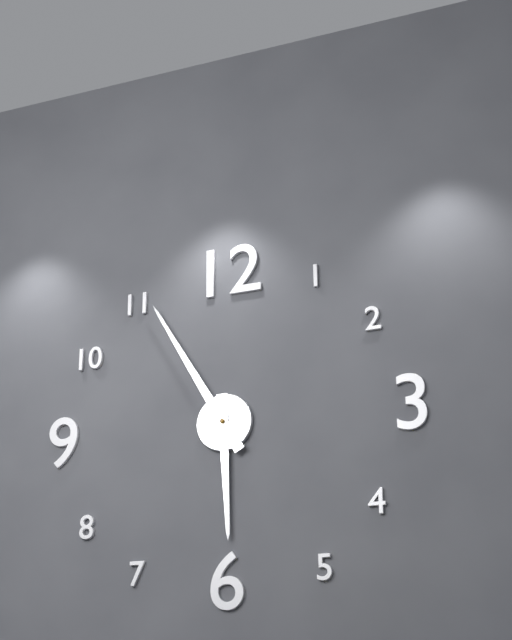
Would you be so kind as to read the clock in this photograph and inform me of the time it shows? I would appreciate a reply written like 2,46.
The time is 5,55
